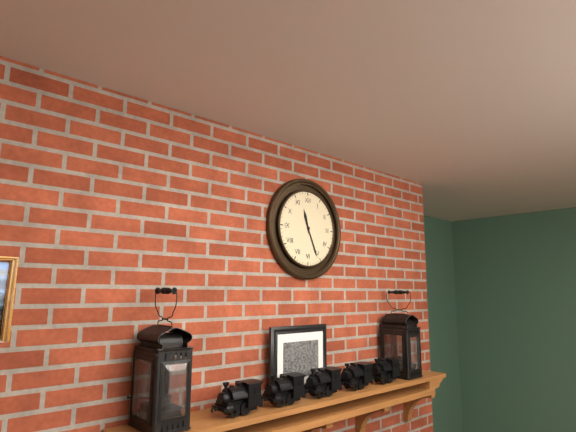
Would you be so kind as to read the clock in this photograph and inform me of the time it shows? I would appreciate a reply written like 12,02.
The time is 11,26
